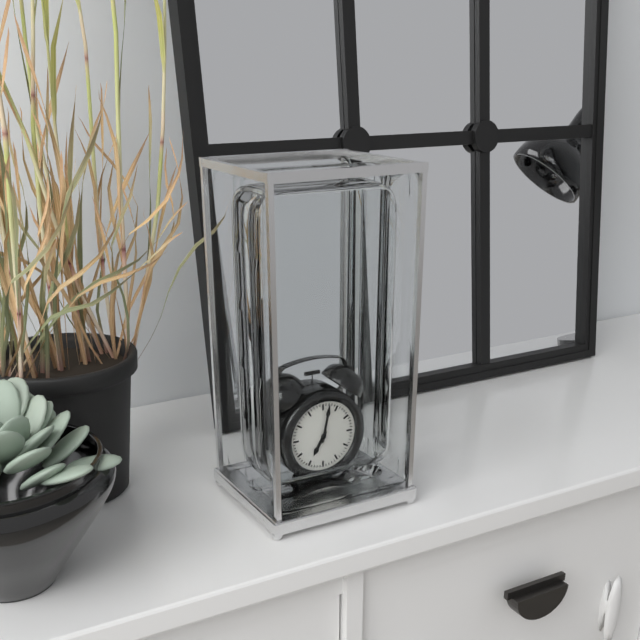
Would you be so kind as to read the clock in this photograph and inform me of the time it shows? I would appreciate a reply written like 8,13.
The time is 7,02
